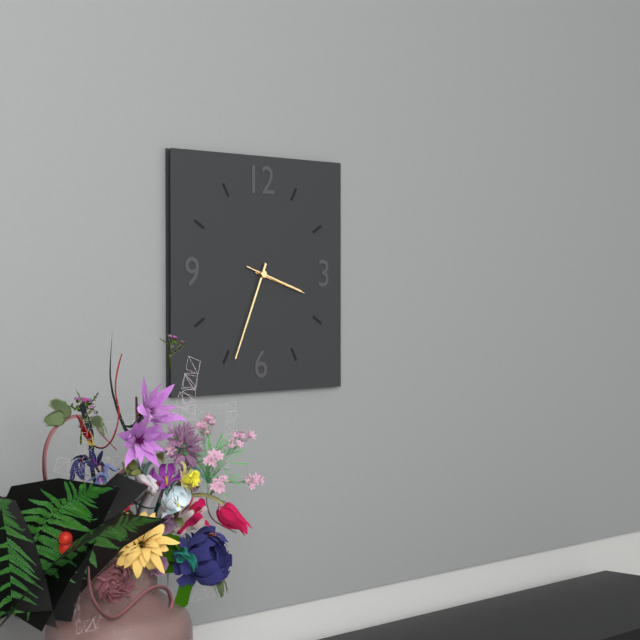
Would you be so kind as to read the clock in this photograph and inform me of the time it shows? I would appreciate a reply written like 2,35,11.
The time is 3,34,18
